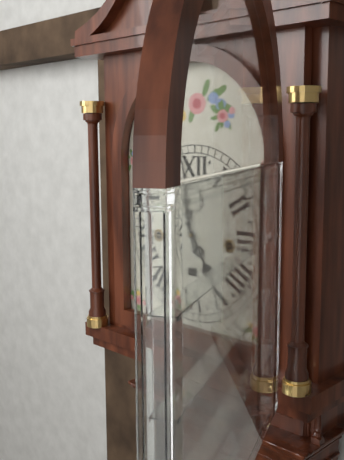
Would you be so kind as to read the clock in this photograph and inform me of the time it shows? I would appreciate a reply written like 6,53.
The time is 4,58
